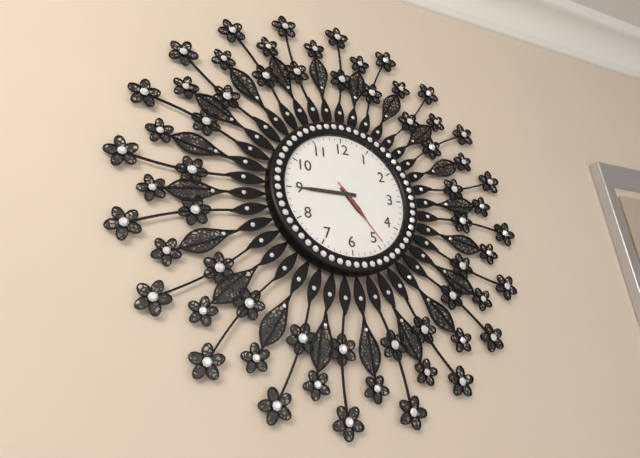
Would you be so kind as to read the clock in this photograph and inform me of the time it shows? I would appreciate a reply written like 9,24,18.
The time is 4,45,24
